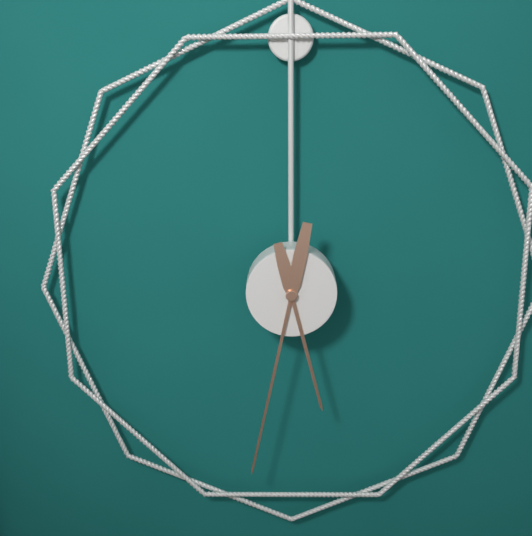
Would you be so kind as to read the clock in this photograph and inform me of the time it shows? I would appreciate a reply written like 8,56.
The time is 5,32
